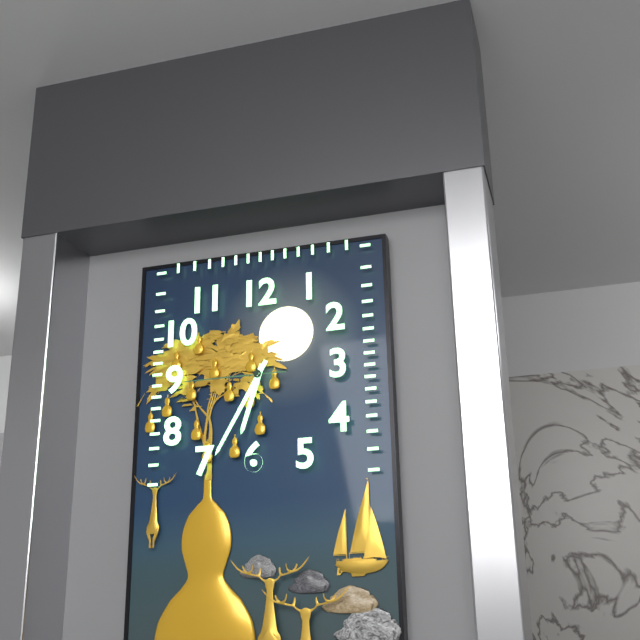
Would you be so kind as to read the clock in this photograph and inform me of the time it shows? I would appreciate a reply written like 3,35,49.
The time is 6,35,45
